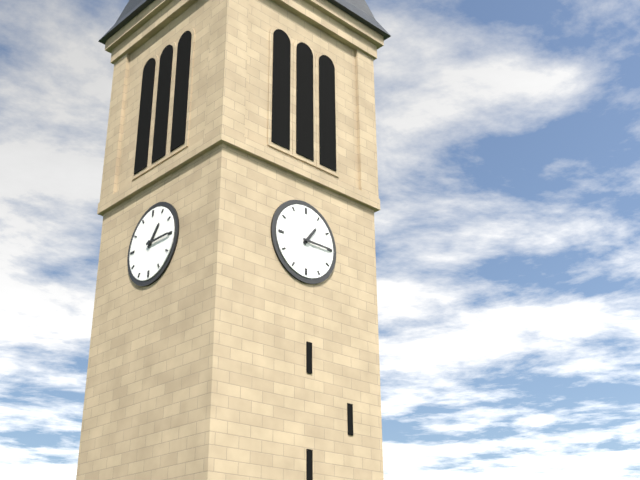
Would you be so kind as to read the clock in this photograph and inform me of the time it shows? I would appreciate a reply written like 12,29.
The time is 1,15
